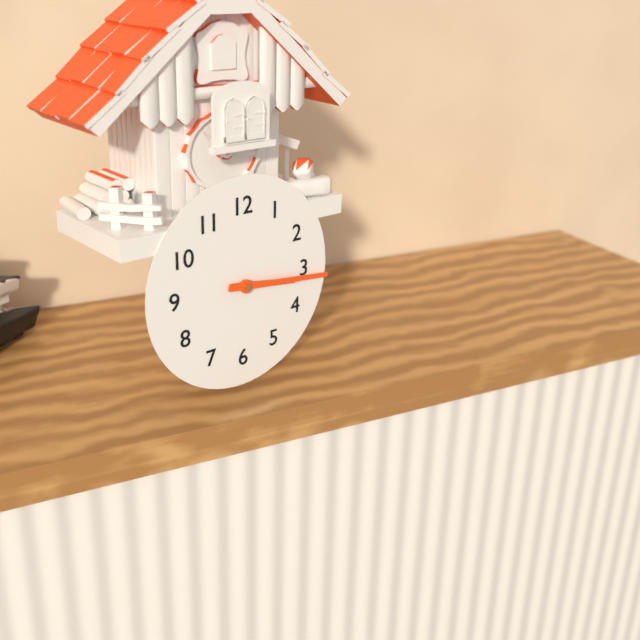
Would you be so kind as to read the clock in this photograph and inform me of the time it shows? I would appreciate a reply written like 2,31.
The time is 3,16
